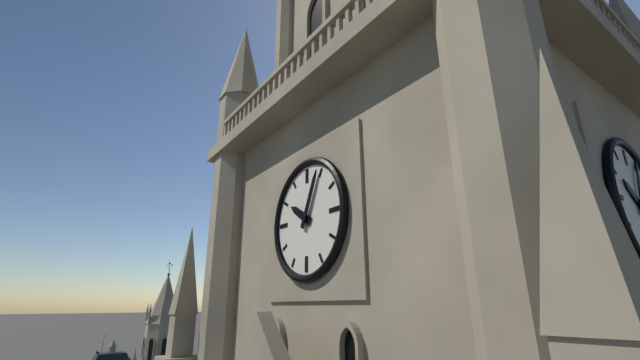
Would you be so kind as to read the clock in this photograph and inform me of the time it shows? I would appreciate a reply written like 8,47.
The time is 10,04
